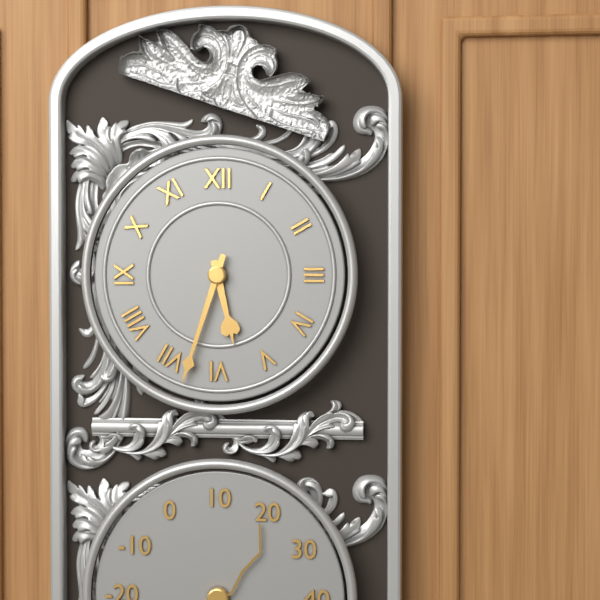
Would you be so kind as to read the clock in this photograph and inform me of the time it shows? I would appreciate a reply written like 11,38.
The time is 5,33
